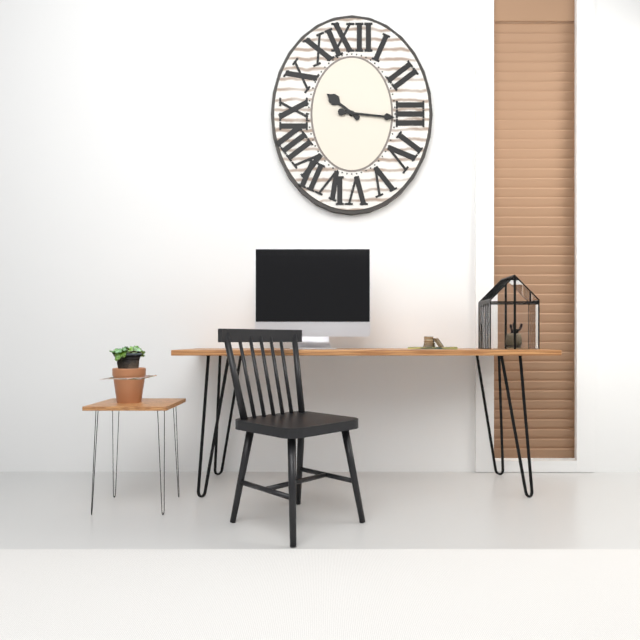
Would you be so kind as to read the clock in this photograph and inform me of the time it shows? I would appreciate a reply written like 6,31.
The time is 10,16
